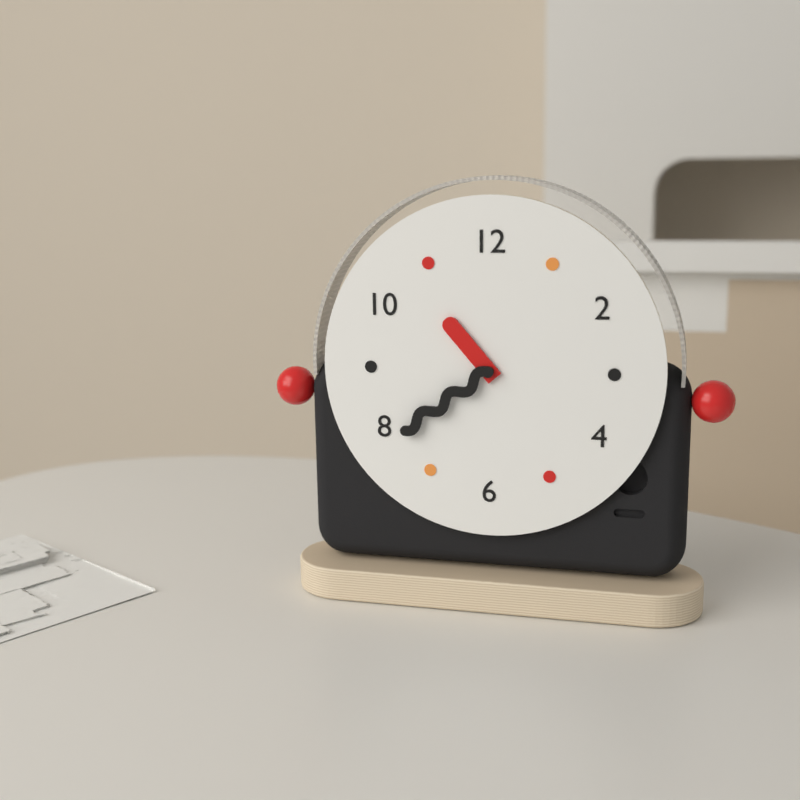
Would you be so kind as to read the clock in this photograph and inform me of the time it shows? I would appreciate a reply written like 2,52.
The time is 10,39
